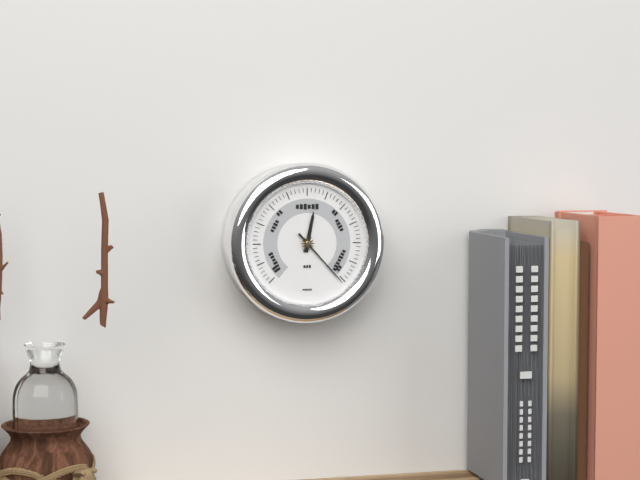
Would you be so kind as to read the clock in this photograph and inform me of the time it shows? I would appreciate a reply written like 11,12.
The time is 12,23
